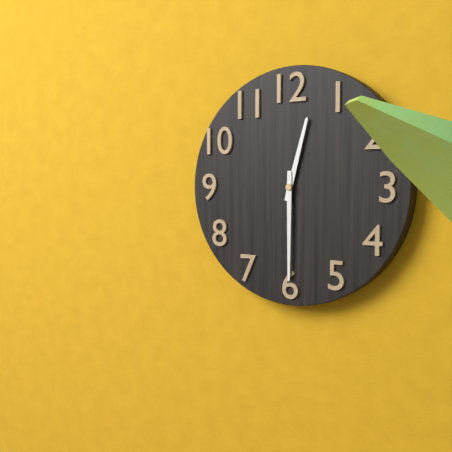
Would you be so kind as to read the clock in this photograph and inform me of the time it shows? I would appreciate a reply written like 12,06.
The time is 12,30
